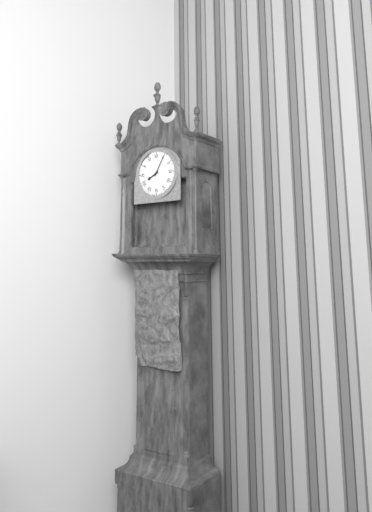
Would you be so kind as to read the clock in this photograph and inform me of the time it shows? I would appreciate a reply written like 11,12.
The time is 8,05
